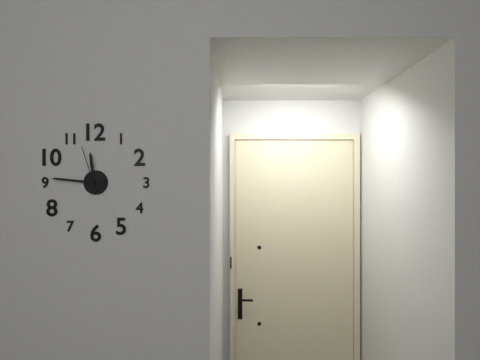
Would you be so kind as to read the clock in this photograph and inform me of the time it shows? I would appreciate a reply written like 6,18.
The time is 11,46
